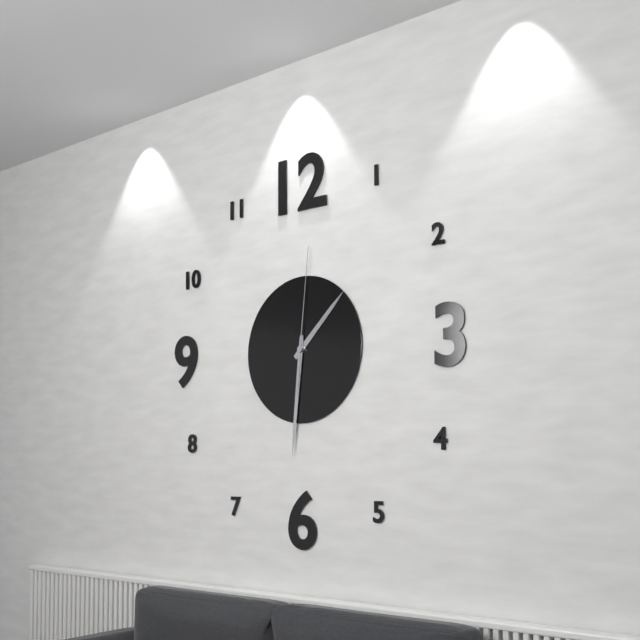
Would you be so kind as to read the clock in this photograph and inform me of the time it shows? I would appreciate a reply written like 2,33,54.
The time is 1,31,01
